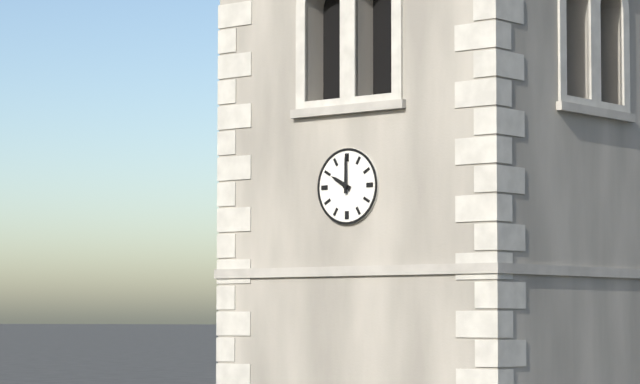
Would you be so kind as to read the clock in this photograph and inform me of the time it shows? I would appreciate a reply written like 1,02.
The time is 10,00
